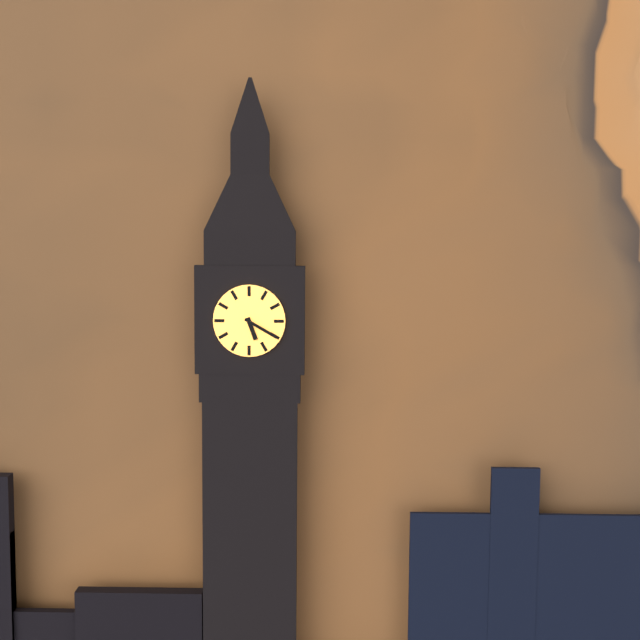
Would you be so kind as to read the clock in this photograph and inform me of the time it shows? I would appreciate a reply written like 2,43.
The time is 5,20
